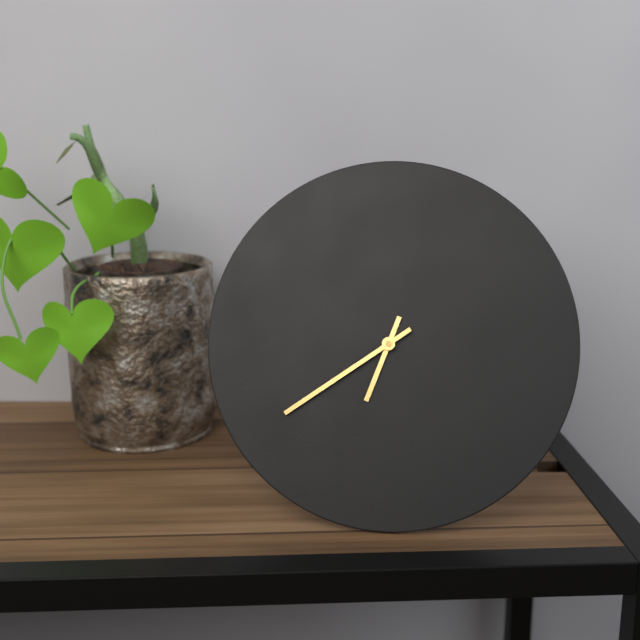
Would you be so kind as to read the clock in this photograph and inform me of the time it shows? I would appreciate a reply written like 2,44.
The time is 6,39
